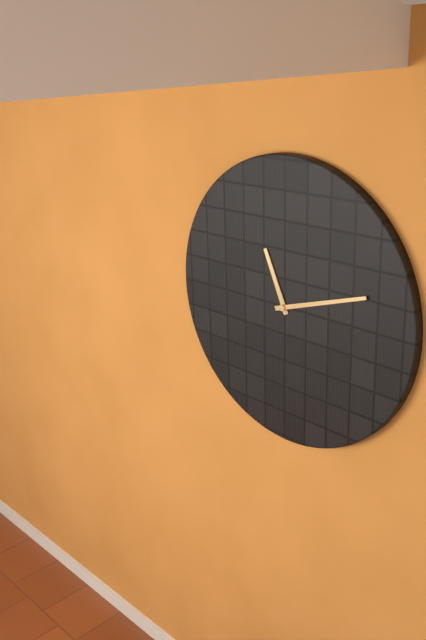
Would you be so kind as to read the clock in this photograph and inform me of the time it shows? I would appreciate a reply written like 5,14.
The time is 11,12
